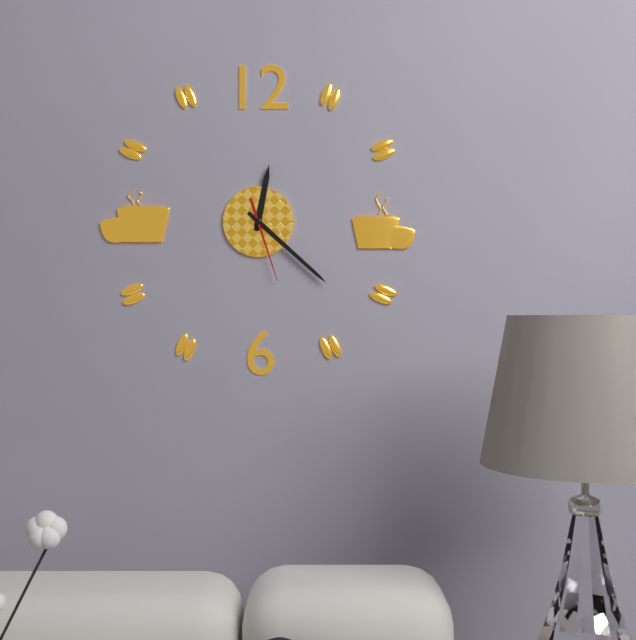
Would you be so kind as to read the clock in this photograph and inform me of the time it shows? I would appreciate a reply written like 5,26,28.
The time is 12,22,27
